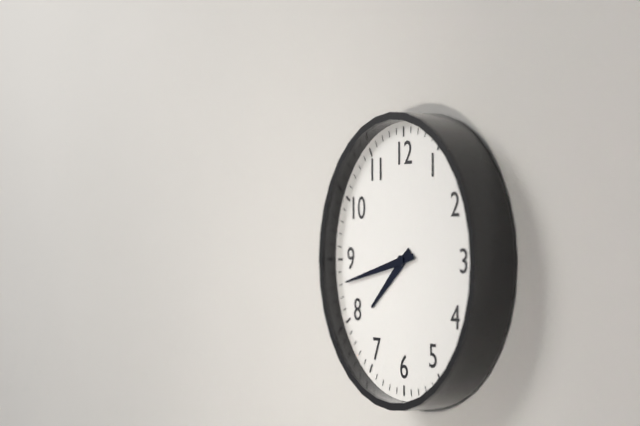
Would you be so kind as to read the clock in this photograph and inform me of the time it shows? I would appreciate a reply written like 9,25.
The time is 7,43
